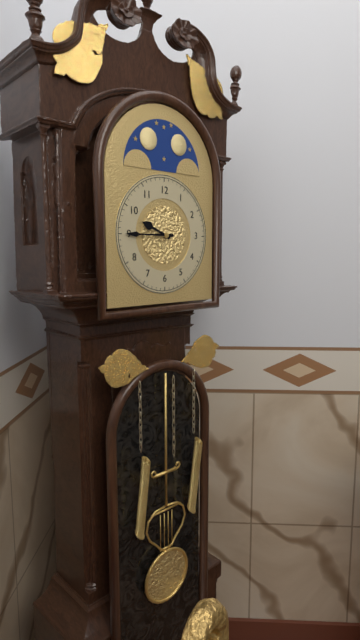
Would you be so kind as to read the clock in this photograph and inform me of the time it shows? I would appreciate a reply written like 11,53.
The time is 9,45
